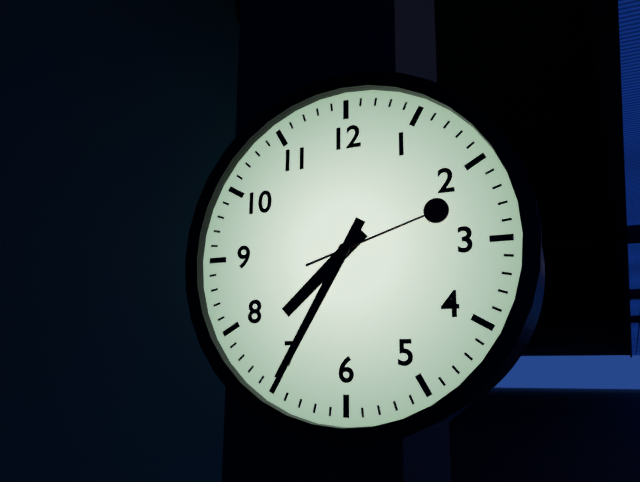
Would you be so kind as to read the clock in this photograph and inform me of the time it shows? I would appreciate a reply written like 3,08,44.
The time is 7,35,12
